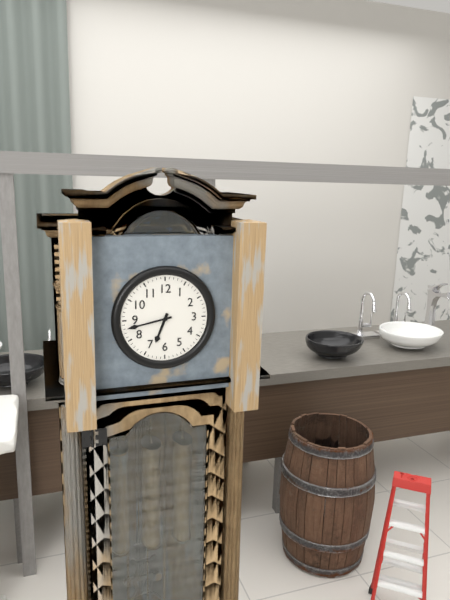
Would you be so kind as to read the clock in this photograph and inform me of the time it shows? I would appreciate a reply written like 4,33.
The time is 6,43
